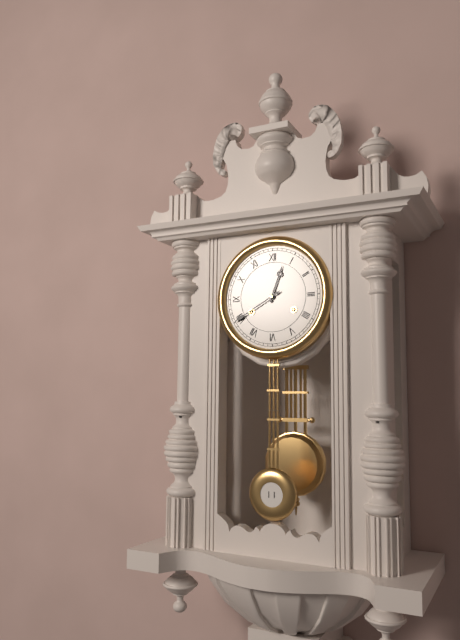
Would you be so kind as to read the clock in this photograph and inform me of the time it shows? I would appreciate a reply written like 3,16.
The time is 12,40
